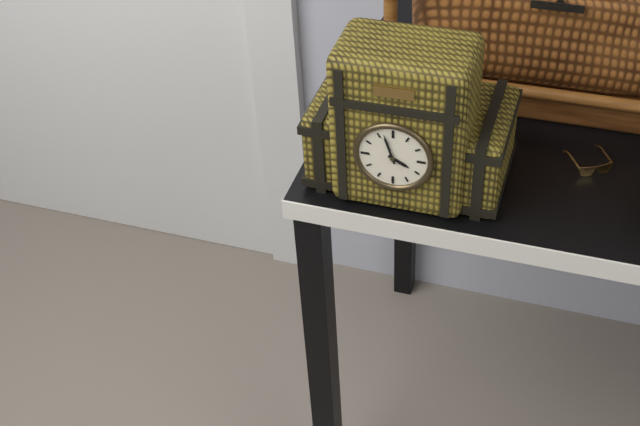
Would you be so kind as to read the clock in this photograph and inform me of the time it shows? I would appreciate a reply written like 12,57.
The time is 3,57
